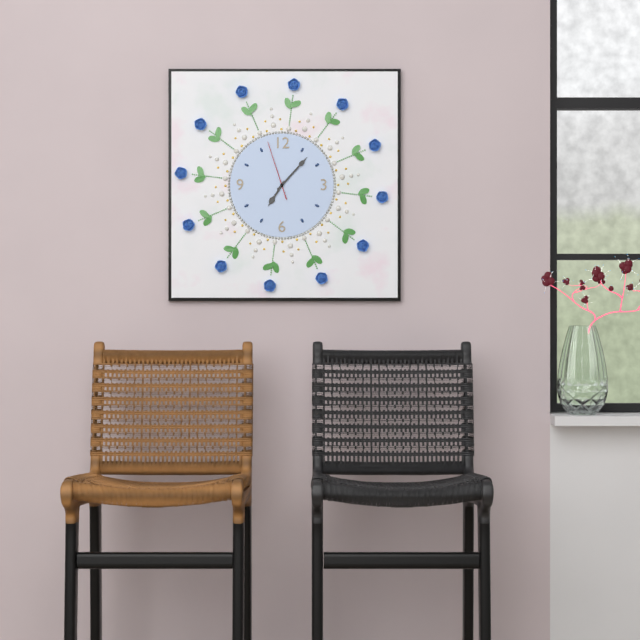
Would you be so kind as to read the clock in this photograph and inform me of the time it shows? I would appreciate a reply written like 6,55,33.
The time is 7,07,57
